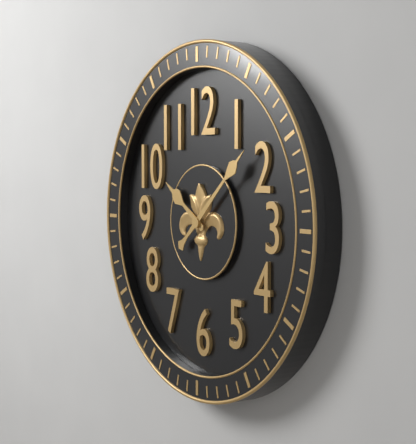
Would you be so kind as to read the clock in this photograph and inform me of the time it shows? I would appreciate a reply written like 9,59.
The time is 10,08
